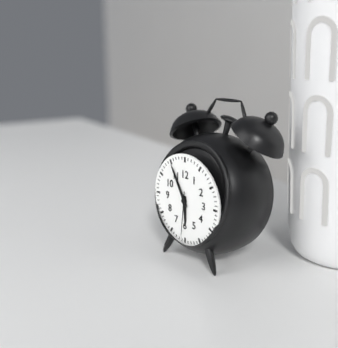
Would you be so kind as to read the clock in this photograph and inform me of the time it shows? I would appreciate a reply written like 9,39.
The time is 5,55
